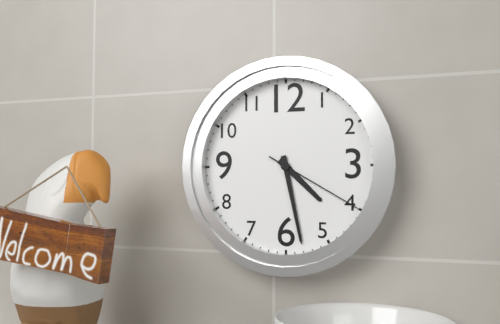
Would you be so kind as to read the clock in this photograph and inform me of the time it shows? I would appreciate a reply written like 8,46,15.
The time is 4,28,20
